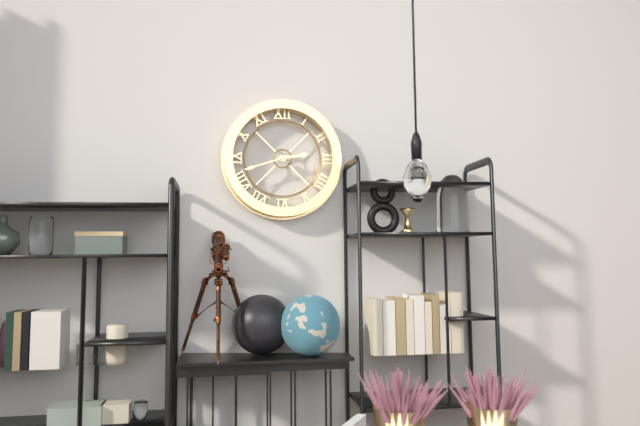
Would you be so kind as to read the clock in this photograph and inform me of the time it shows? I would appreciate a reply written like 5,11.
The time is 2,42
